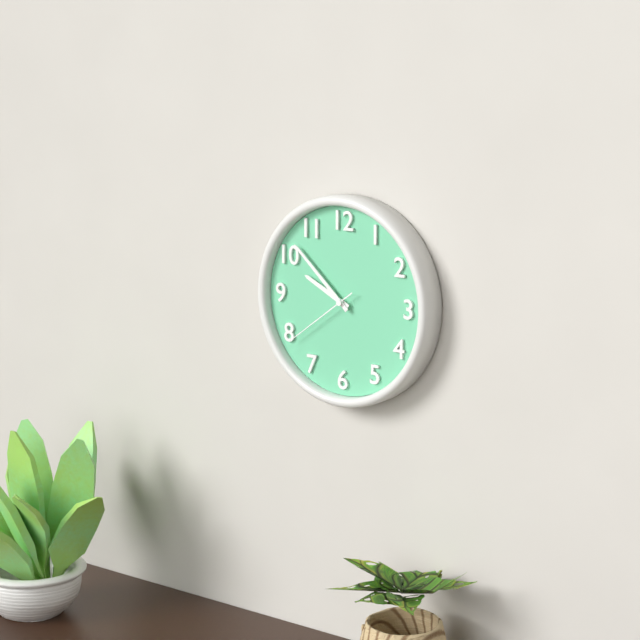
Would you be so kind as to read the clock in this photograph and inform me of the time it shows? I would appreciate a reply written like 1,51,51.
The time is 9,52,39
